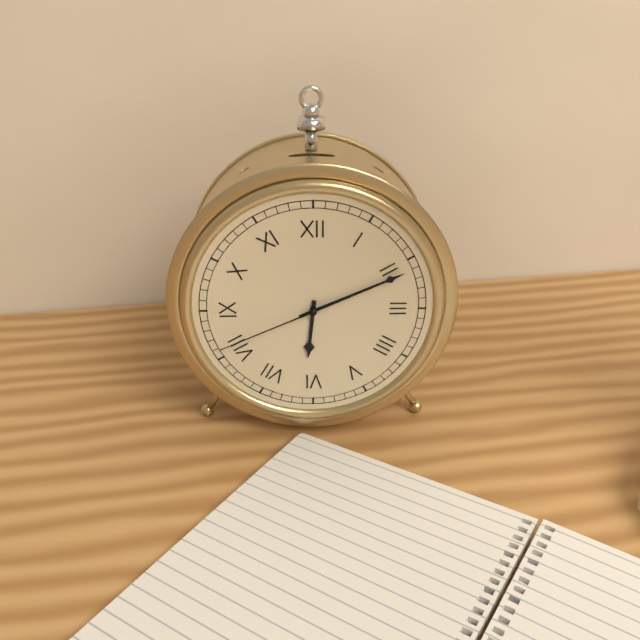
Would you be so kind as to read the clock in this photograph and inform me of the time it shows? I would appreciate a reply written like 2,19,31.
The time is 6,11,41
